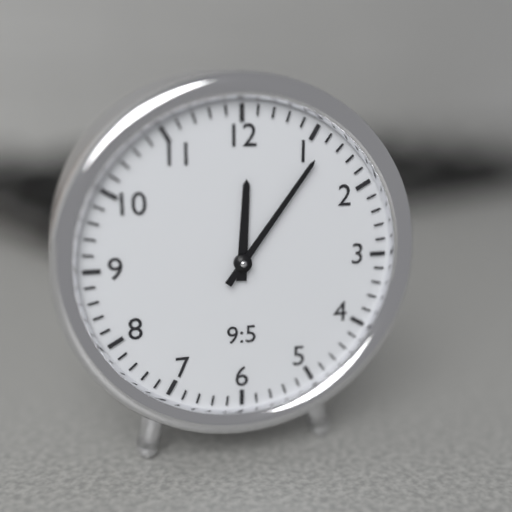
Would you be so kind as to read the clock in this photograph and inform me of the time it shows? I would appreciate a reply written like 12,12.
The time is 12,06
